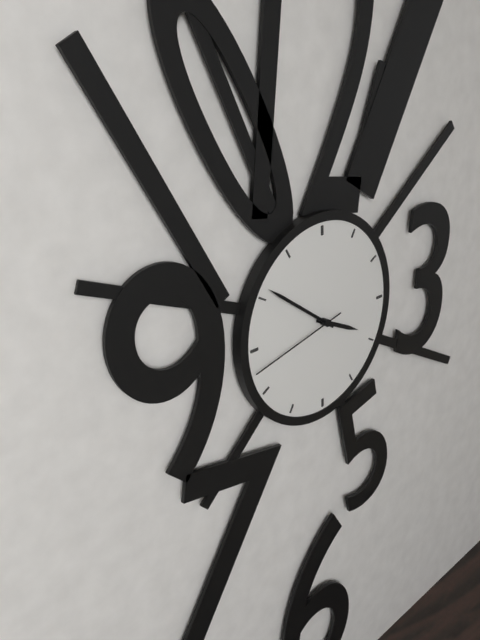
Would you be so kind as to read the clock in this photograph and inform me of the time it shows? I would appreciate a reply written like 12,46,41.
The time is 3,51,43
